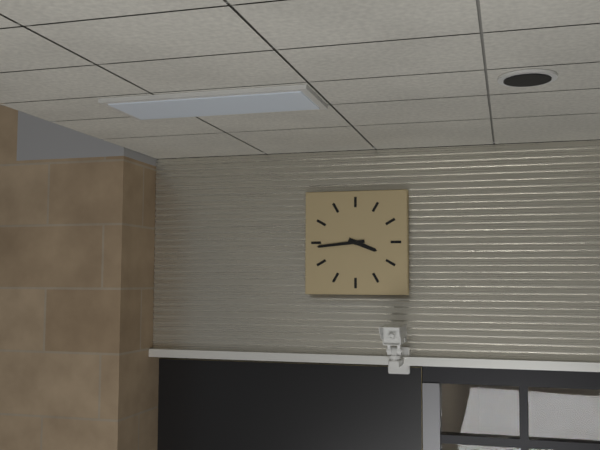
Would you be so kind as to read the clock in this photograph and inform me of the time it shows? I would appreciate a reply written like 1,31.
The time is 3,44
